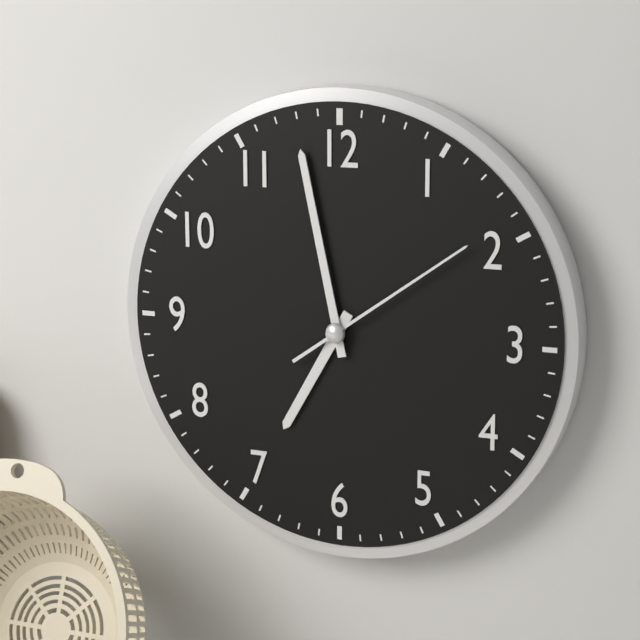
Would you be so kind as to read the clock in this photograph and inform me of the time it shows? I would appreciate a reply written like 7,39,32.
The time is 6,58,09
